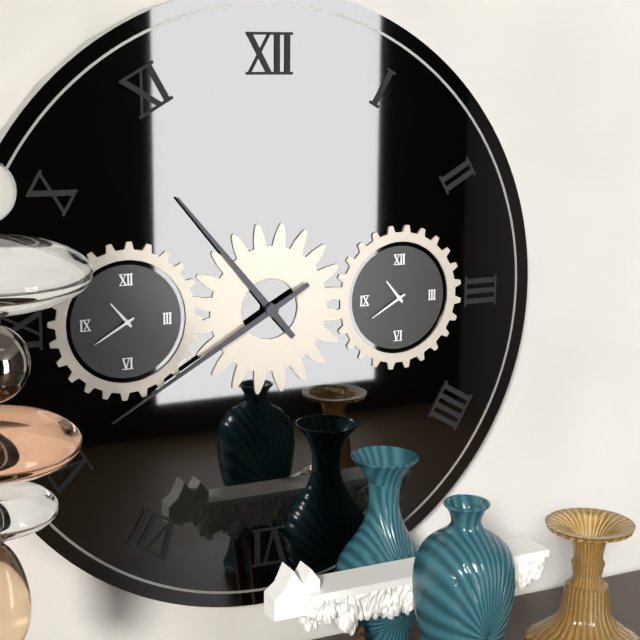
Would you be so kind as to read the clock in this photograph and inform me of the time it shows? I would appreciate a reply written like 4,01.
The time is 10,40
